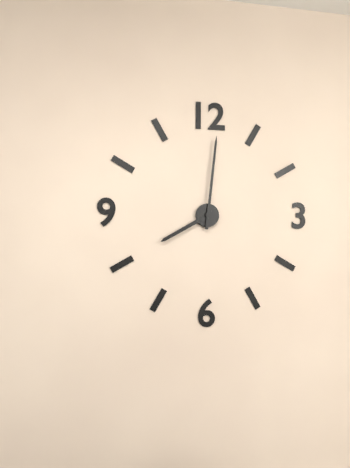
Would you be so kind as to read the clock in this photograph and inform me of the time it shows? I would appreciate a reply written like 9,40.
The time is 8,01
